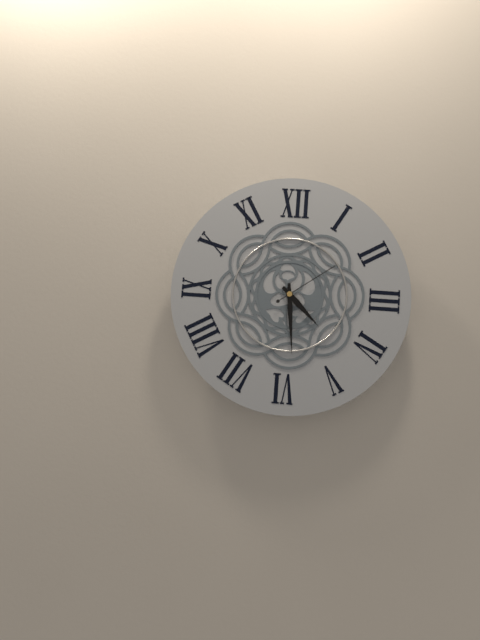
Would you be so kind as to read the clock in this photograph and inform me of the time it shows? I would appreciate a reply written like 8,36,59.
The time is 4,29,09
